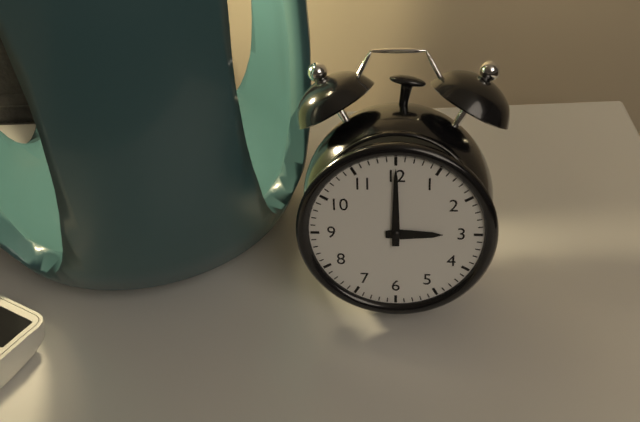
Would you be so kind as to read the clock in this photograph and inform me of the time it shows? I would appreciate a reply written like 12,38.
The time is 3,00
